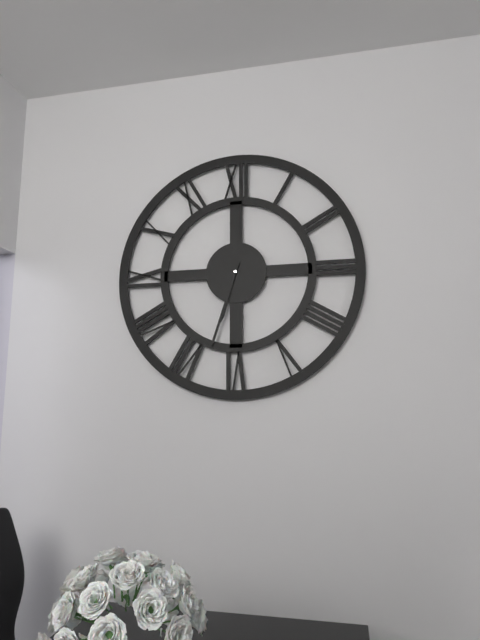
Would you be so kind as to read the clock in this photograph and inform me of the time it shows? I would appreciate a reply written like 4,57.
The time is 6,33
